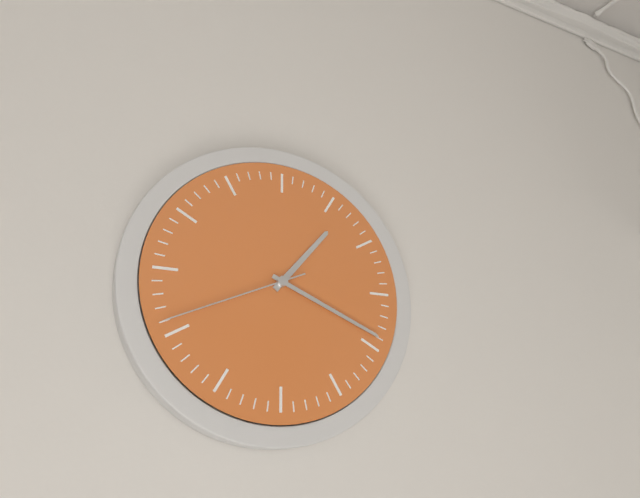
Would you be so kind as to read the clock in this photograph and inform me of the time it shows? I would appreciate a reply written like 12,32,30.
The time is 1,19,41
